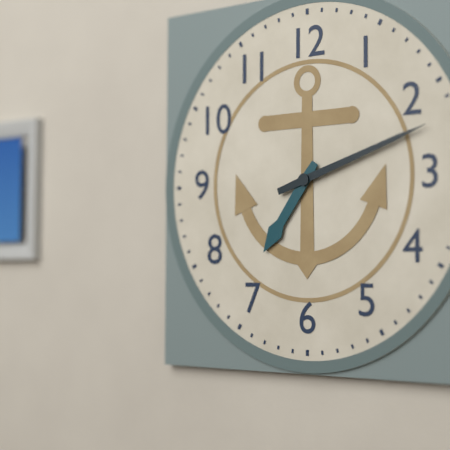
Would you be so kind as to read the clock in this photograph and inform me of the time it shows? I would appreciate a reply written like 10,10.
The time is 7,12
